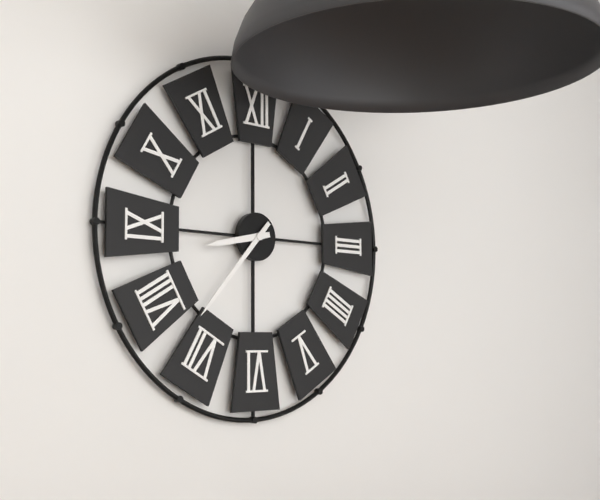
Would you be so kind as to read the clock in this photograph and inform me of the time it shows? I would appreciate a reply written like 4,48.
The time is 8,37
